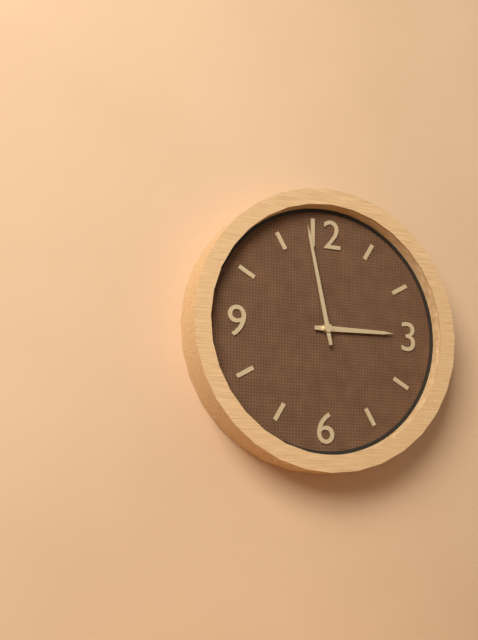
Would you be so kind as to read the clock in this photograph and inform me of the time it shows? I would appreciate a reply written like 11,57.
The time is 2,58
